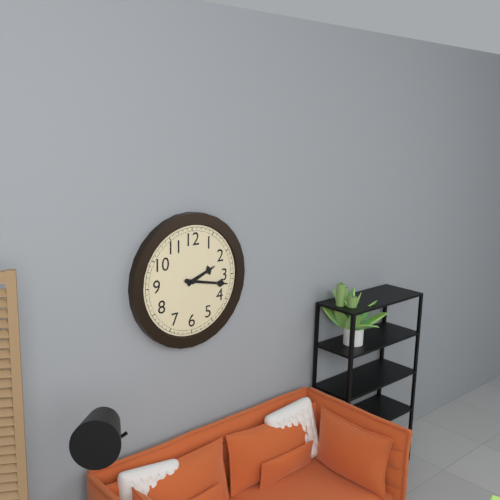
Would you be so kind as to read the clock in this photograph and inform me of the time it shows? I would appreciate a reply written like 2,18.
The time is 2,17
